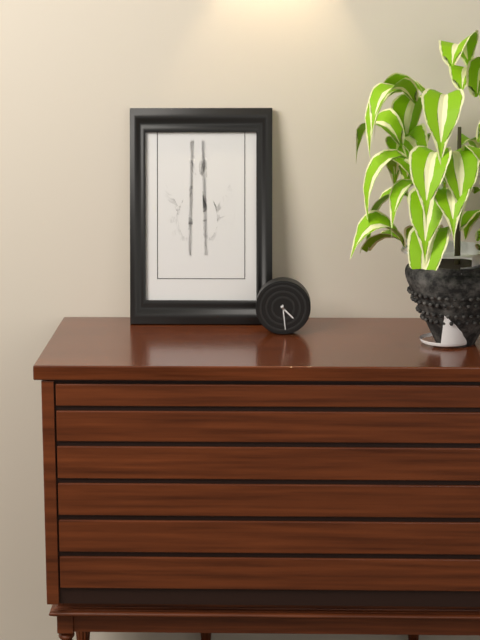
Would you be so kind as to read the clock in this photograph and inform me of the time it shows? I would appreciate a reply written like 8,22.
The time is 4,29
